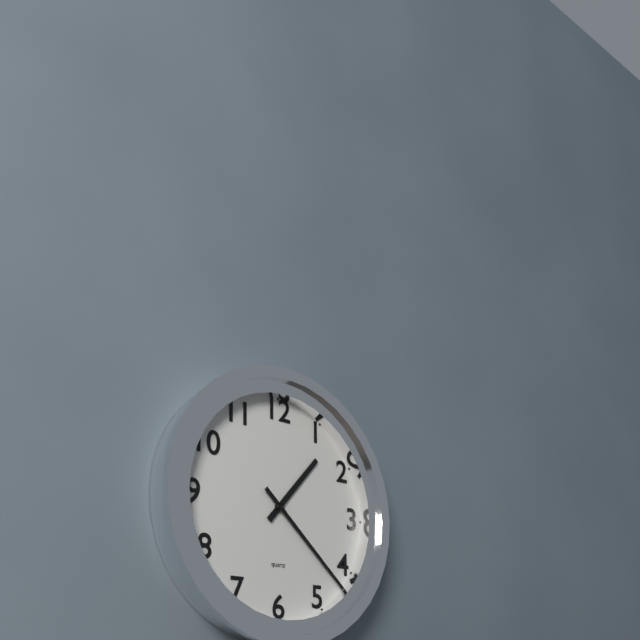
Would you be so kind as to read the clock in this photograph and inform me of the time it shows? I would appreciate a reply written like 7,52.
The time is 1,22
